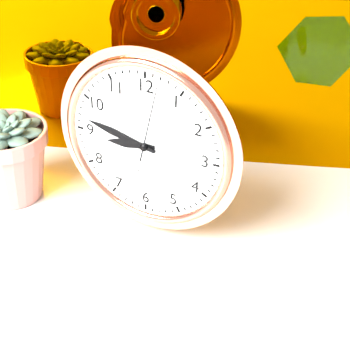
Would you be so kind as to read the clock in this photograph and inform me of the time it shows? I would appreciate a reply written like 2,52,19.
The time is 8,47,02
